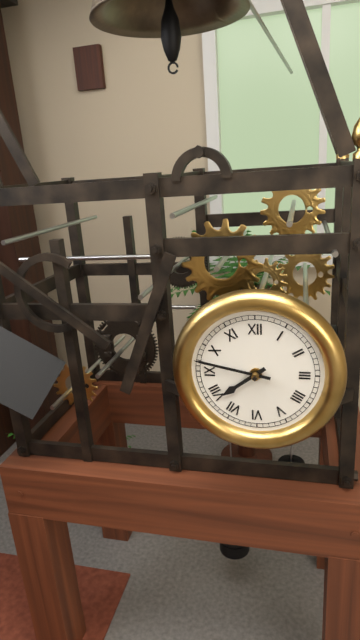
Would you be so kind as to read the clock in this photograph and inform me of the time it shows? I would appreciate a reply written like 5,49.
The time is 7,47
